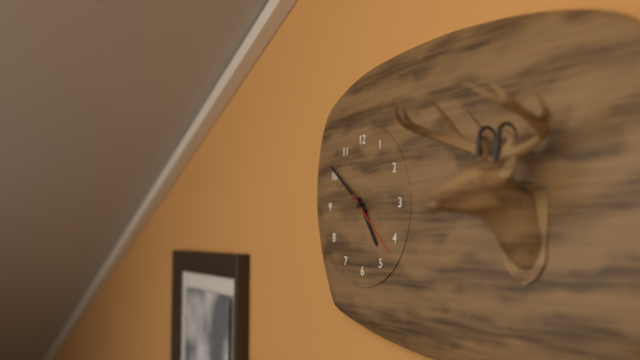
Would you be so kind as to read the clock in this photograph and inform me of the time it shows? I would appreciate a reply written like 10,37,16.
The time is 4,51,22
